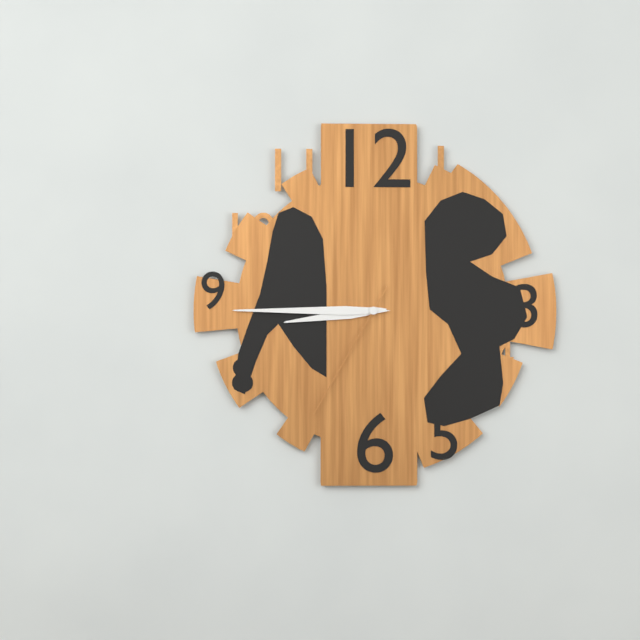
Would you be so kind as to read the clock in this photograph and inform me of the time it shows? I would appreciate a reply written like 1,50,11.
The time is 8,45,35
